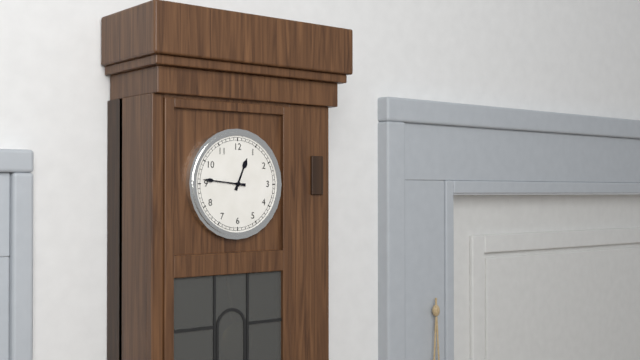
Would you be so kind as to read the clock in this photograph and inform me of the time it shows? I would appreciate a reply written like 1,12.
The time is 12,46
